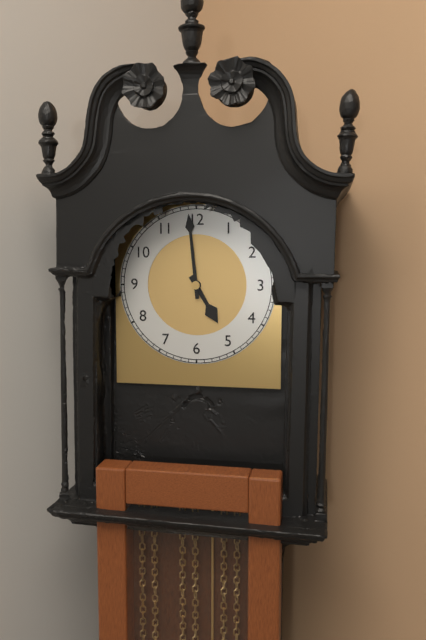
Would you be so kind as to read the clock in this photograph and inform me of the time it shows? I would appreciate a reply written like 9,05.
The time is 4,59
